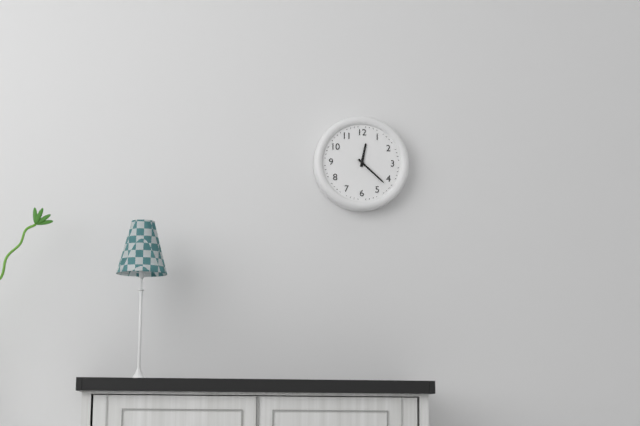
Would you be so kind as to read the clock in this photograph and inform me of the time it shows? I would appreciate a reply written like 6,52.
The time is 12,22
